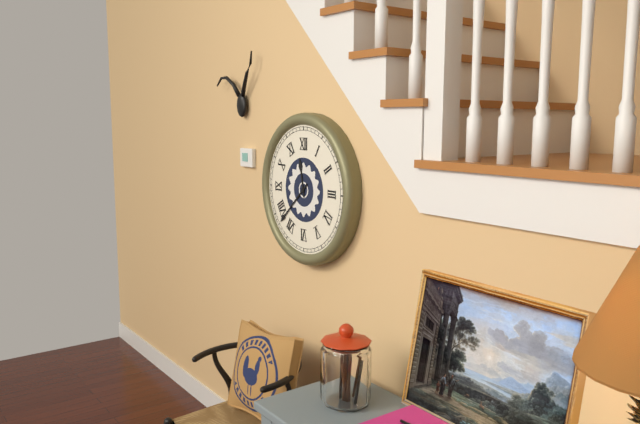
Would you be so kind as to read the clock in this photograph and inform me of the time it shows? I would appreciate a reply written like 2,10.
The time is 11,38
